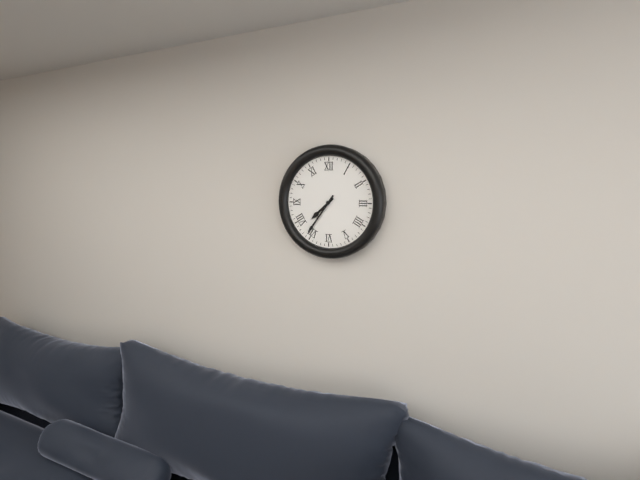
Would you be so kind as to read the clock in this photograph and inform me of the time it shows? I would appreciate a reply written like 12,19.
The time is 7,36
